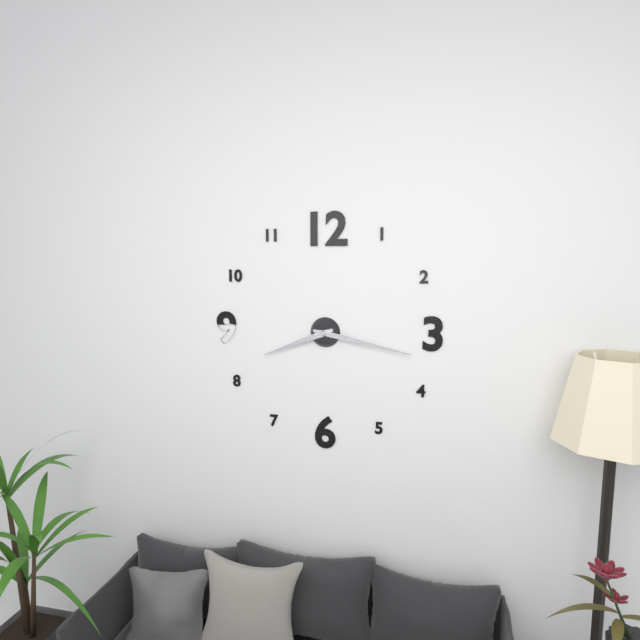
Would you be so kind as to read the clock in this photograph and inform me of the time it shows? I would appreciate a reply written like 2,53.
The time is 8,17
